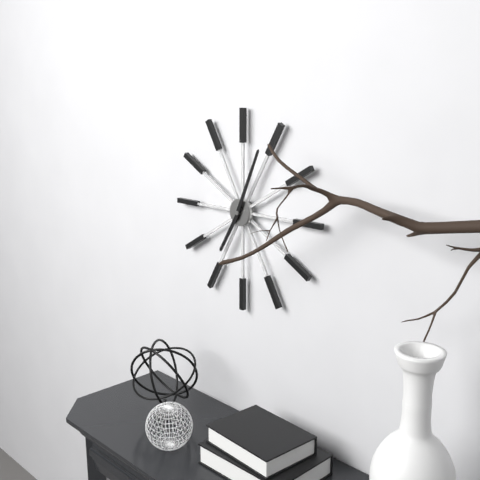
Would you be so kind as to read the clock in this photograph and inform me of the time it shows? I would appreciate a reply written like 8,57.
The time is 7,04
